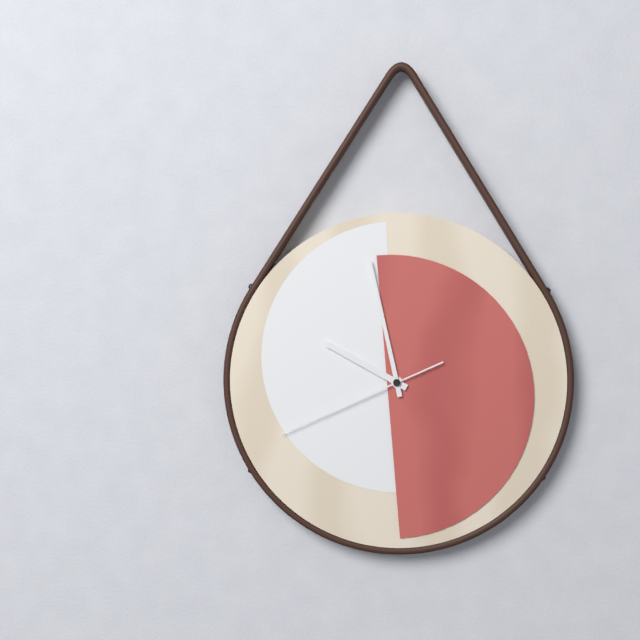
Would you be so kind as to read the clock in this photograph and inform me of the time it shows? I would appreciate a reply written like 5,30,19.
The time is 9,58,41
